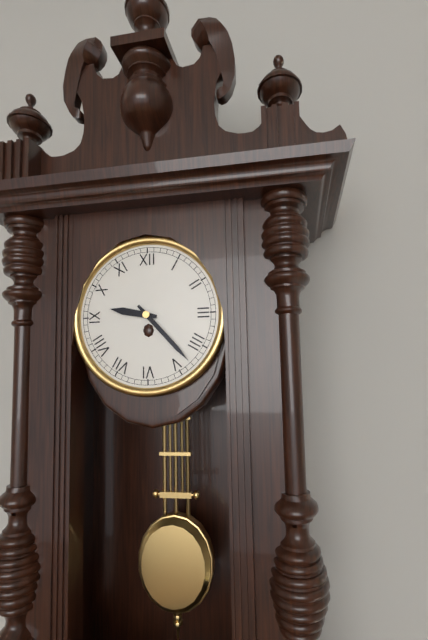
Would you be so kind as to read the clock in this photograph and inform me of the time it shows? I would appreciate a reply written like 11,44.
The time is 9,23
